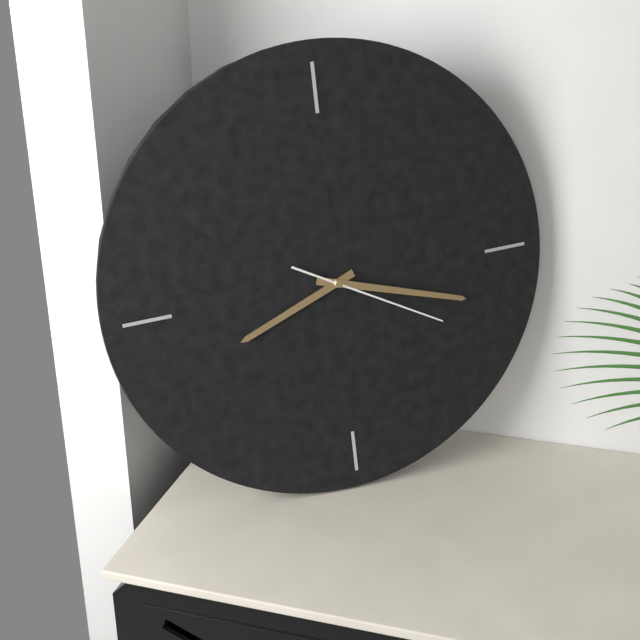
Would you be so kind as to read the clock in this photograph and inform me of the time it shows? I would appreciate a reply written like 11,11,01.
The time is 8,18,20
